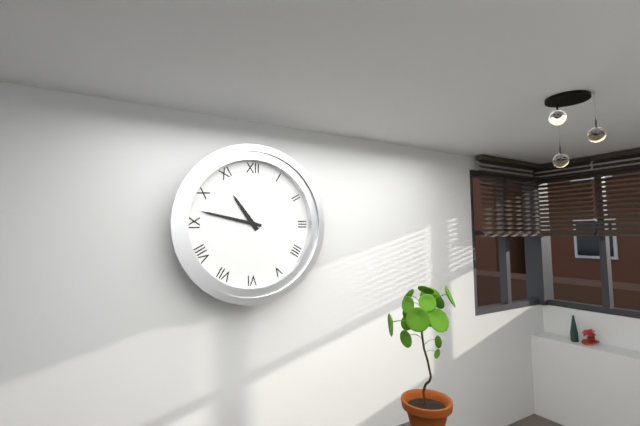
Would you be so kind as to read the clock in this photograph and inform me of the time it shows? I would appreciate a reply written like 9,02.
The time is 10,47
